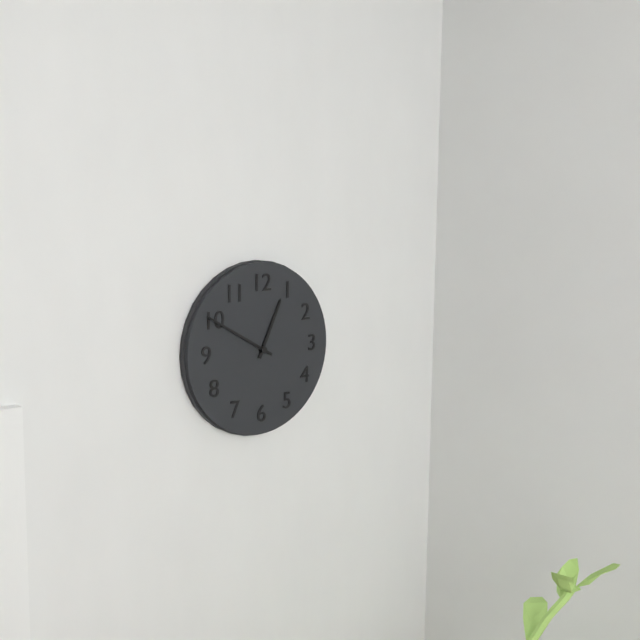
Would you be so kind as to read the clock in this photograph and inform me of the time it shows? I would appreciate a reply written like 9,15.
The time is 12,50
